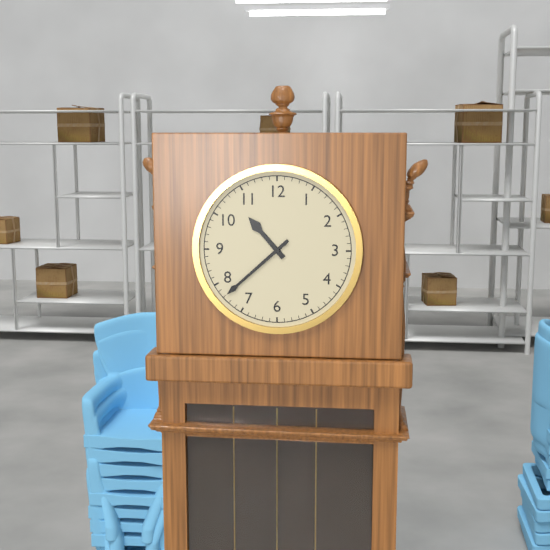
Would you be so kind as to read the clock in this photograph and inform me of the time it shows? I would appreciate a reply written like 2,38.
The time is 10,38
